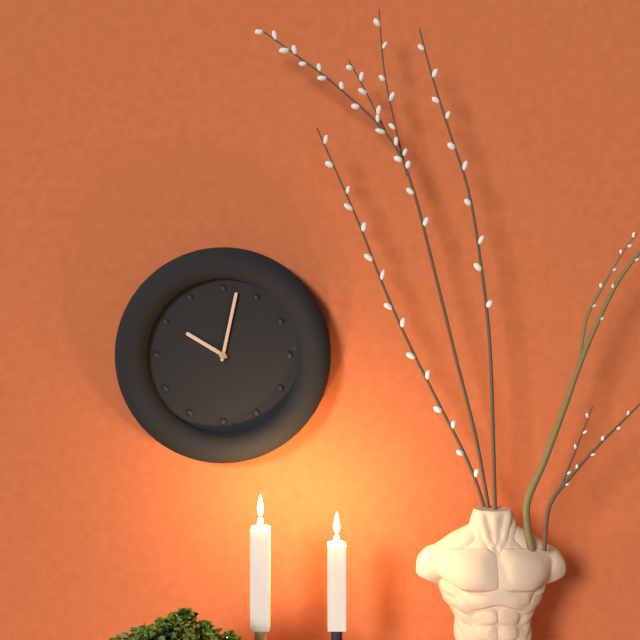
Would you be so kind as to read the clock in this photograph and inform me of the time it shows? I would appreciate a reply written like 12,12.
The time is 10,02
